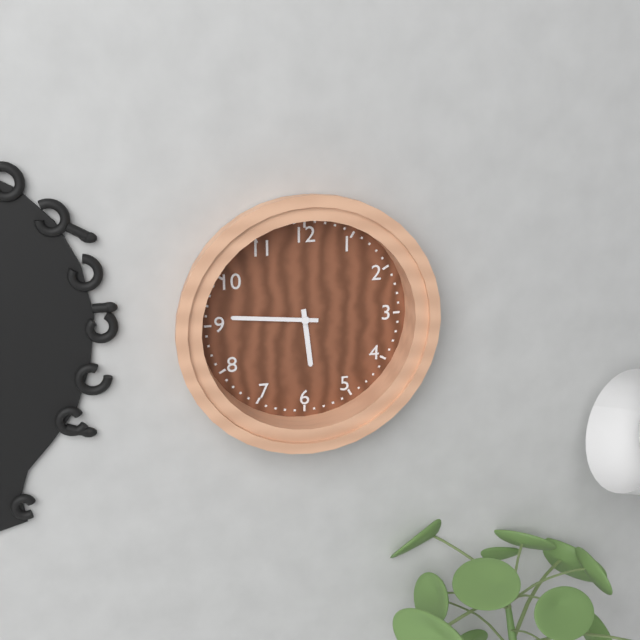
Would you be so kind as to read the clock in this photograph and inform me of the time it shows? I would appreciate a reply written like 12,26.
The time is 5,46
